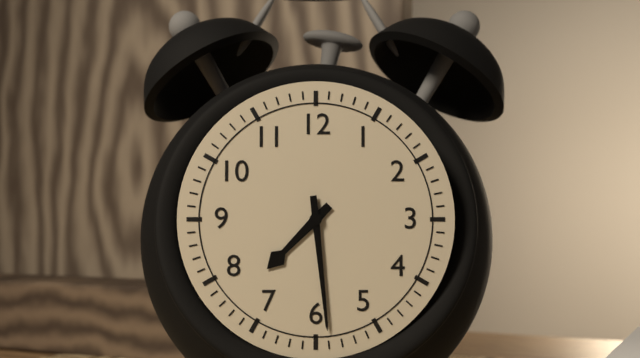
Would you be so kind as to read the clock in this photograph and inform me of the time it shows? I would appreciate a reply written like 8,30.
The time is 7,29
